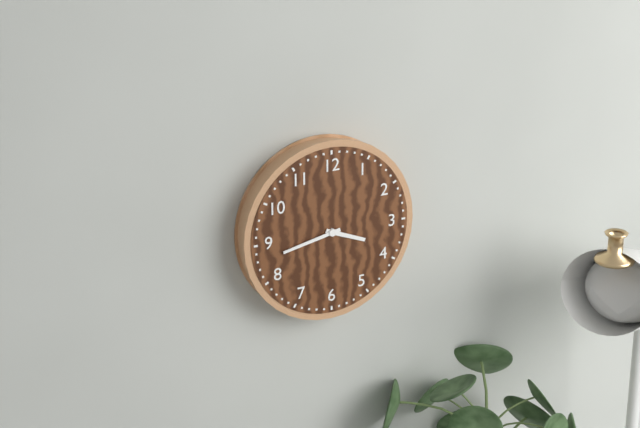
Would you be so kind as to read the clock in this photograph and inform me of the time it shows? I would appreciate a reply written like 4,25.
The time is 3,43
